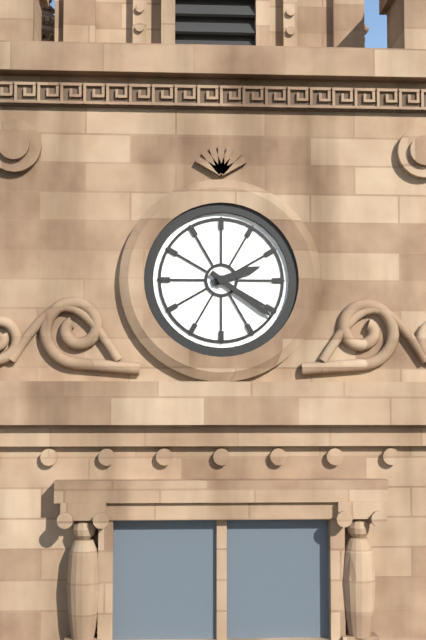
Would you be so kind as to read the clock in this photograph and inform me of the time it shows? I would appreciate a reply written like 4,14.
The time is 2,21
